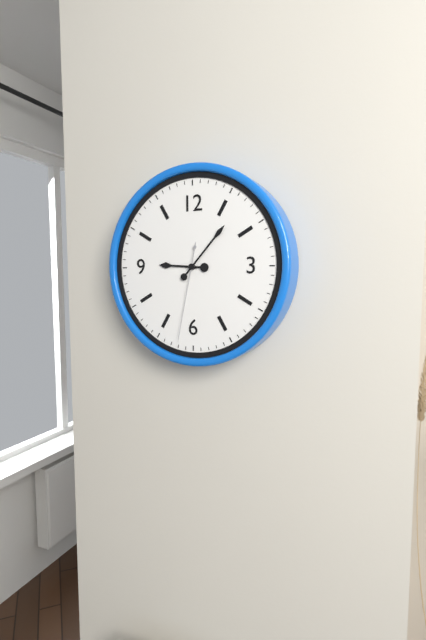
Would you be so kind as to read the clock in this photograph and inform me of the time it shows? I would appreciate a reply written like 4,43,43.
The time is 9,07,32
